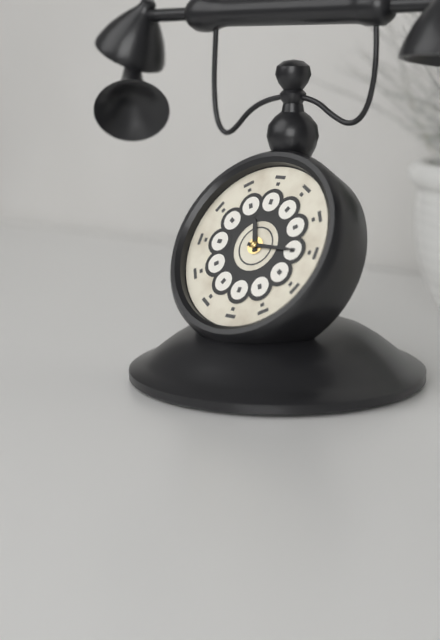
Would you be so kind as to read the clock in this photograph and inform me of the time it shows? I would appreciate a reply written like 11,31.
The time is 11,15
